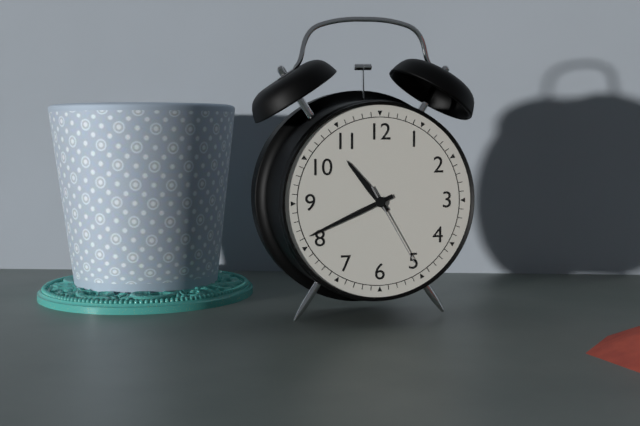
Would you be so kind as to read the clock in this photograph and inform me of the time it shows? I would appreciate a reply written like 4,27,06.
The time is 10,41,25
